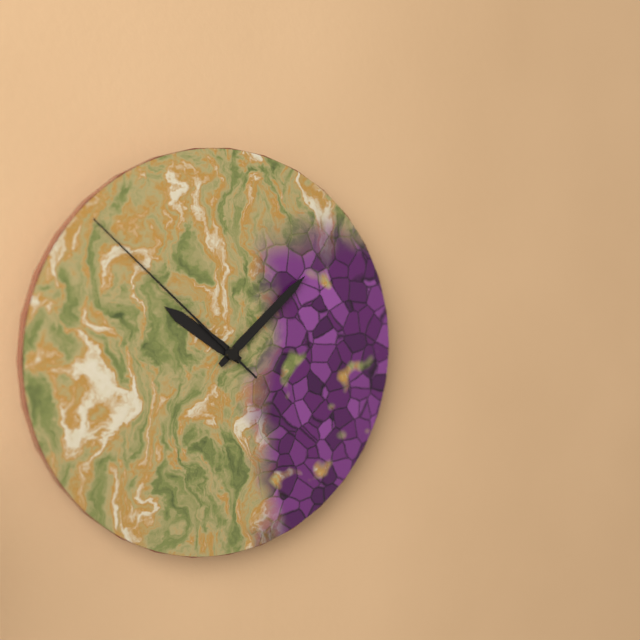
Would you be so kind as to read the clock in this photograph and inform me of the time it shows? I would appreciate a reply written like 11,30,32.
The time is 10,08,52
